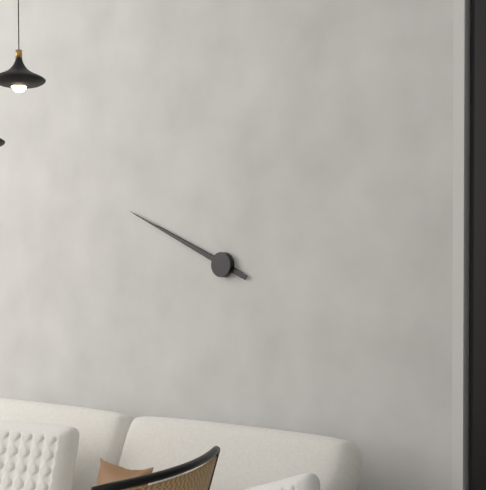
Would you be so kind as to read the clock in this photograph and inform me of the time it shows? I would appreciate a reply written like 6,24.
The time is 9,49
